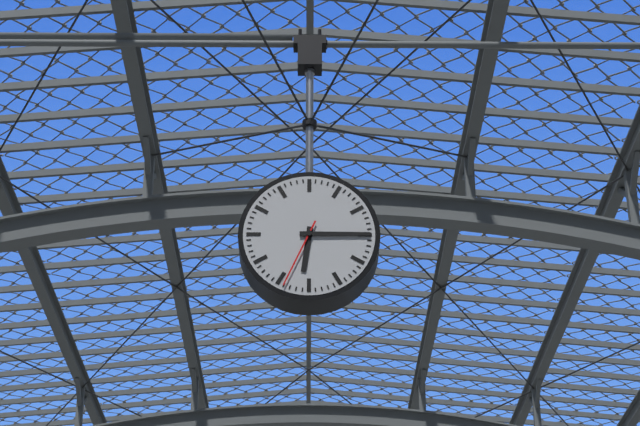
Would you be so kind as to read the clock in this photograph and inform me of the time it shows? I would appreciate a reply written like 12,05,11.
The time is 6,15,34
